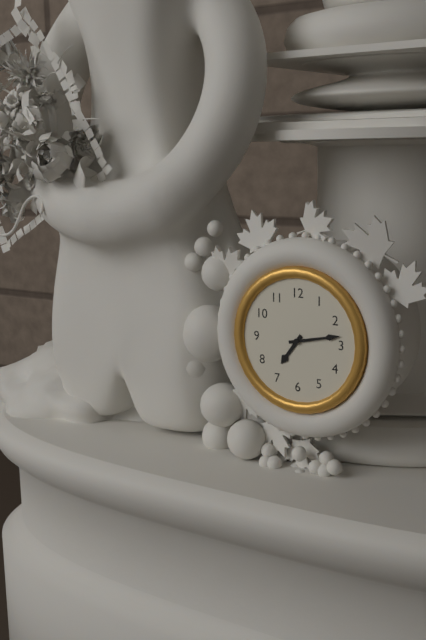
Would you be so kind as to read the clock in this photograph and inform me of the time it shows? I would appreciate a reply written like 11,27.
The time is 7,13
